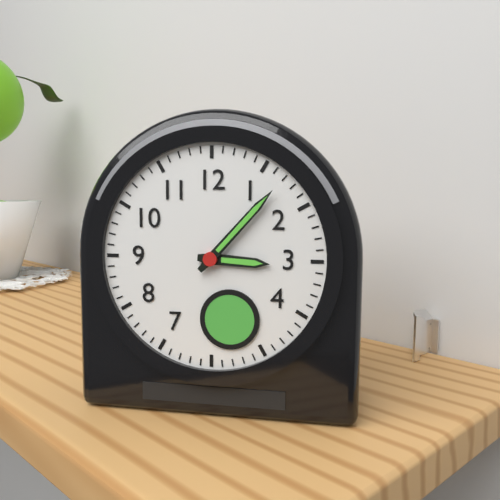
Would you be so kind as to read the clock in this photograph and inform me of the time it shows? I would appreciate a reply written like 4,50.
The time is 3,07
